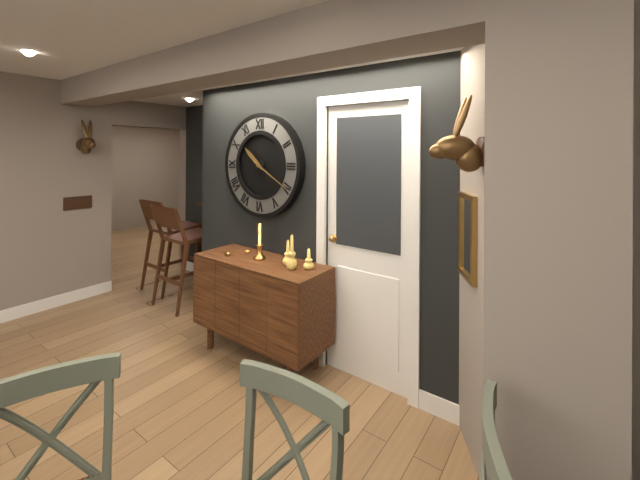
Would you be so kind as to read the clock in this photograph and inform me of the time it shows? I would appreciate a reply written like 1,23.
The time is 10,20
